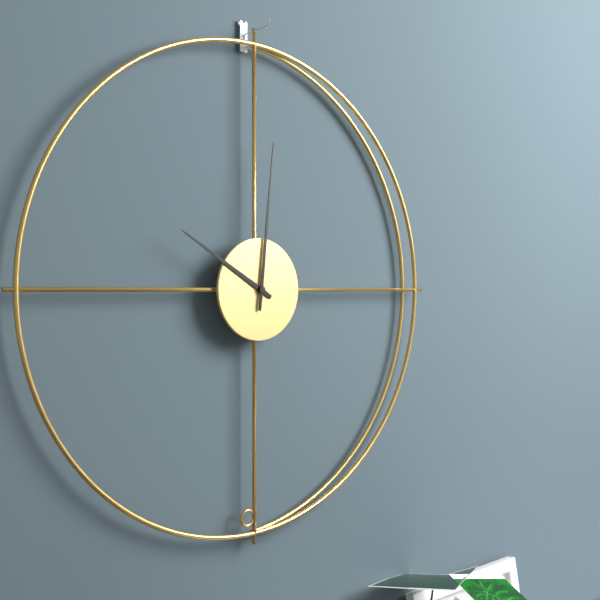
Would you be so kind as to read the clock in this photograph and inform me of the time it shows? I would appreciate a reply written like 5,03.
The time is 10,01
